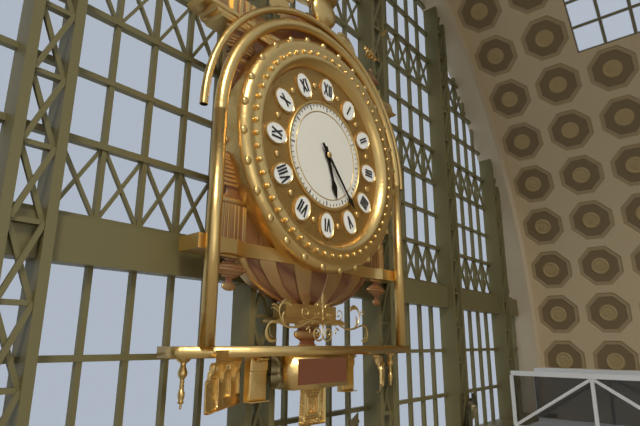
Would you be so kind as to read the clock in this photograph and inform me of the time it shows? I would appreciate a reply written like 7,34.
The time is 5,23
